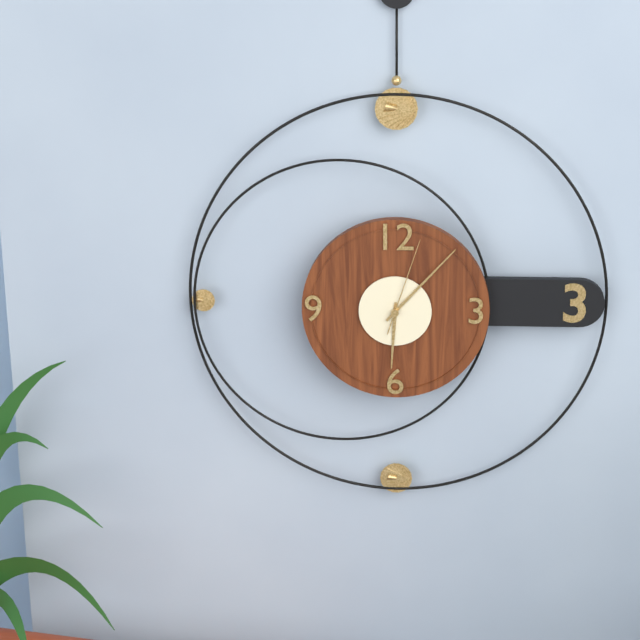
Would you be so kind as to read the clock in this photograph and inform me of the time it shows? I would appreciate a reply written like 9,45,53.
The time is 6,07,03
